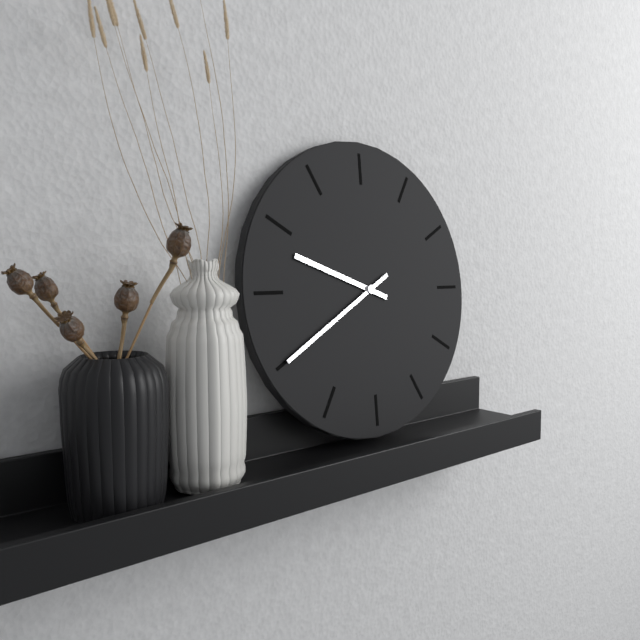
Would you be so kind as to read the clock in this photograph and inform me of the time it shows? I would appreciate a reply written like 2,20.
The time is 9,40
